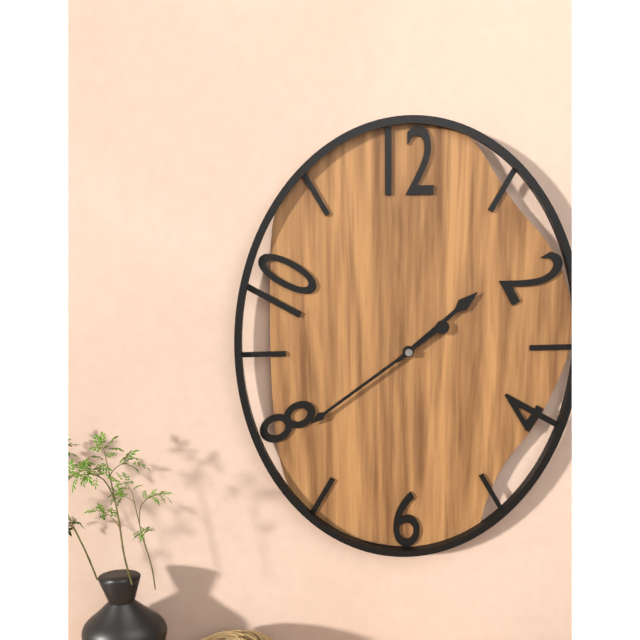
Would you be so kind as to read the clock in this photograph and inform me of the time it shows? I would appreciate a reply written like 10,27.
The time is 1,39
